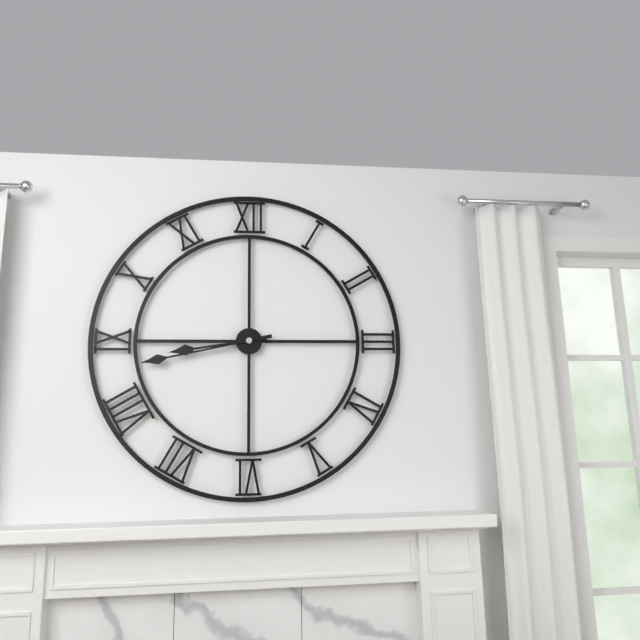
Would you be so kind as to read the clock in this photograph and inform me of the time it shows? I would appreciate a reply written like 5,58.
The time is 8,43
